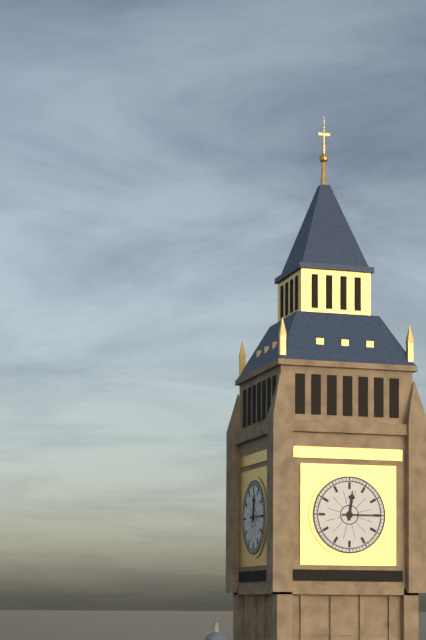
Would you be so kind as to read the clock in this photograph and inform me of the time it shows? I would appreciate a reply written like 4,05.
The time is 12,15
